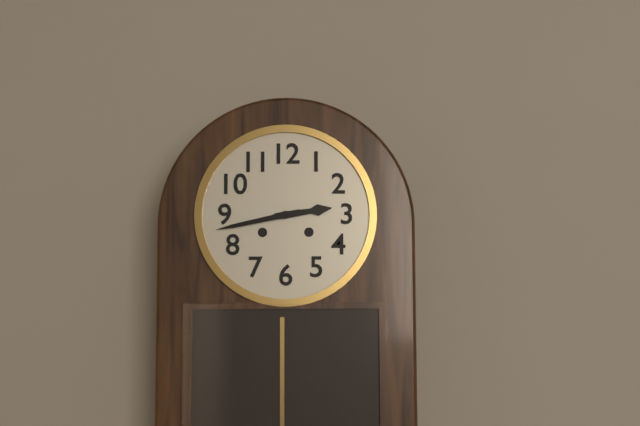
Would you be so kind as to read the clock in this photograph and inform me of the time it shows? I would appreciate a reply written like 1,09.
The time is 2,43
